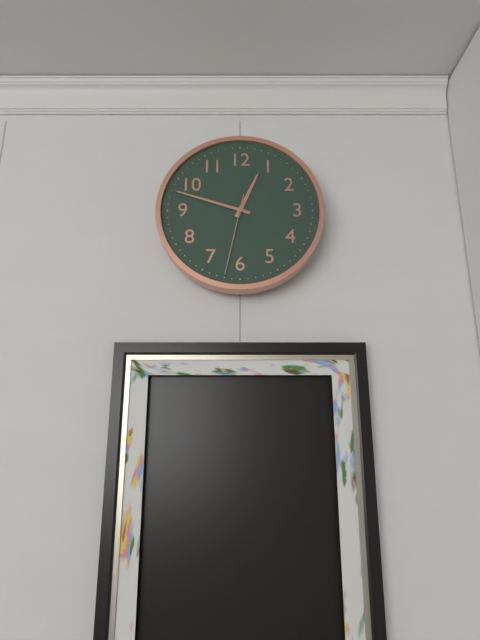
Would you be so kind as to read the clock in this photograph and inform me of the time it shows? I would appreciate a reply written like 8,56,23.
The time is 12,48,32
